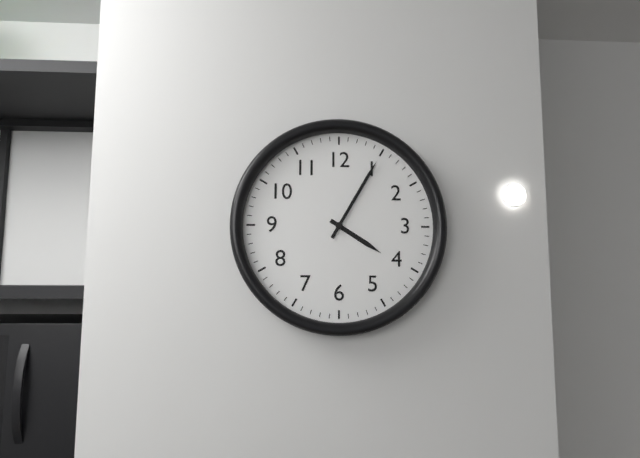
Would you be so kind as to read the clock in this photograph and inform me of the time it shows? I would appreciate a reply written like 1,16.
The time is 4,05
